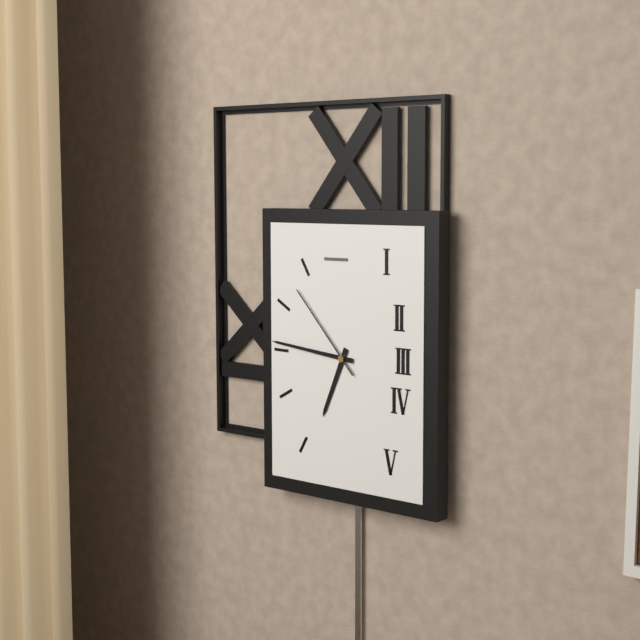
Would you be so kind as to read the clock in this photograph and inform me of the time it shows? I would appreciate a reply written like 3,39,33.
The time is 6,46,53
